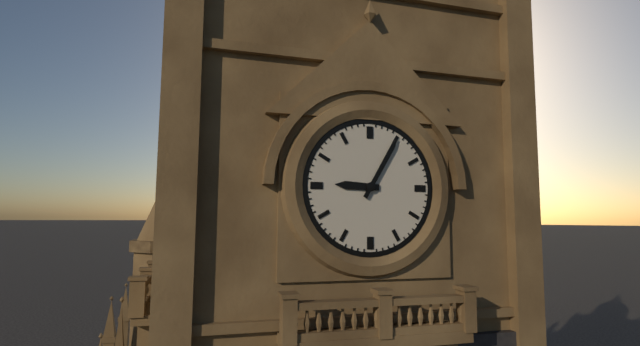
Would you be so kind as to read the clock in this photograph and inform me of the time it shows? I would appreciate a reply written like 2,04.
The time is 9,05
